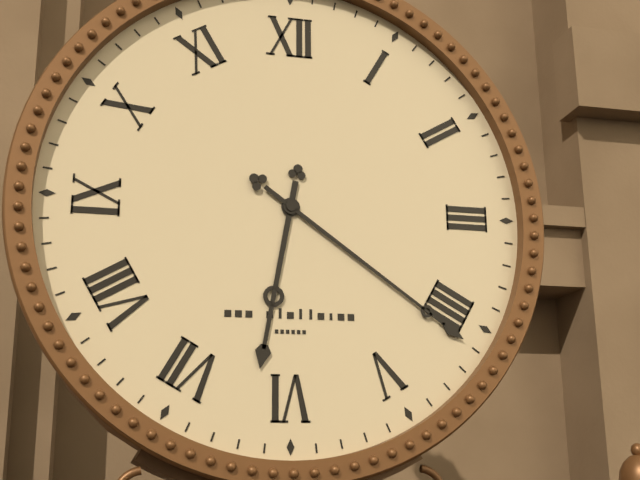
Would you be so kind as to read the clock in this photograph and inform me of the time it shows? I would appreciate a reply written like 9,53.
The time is 6,21
